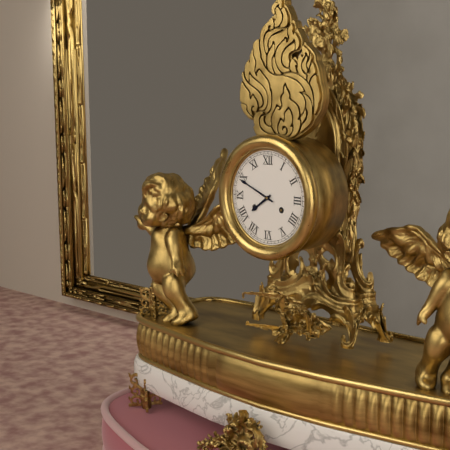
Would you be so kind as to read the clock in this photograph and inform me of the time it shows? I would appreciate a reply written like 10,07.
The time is 7,49
